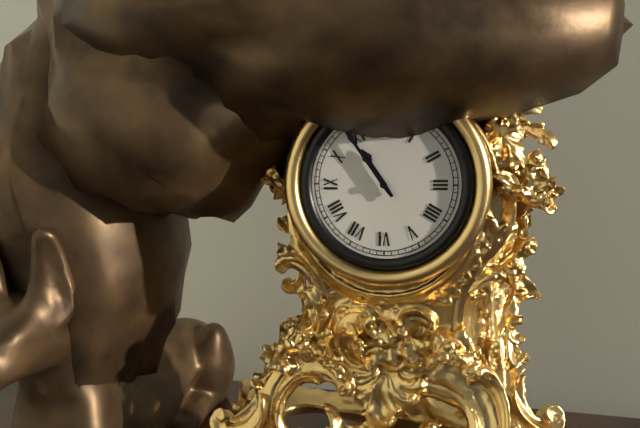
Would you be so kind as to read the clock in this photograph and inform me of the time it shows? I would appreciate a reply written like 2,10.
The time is 10,54
